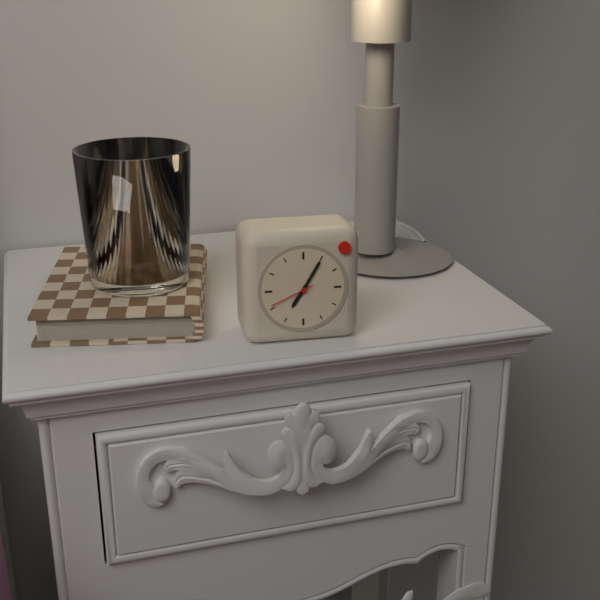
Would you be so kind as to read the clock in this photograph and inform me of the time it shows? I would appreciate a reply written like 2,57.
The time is 7,05
